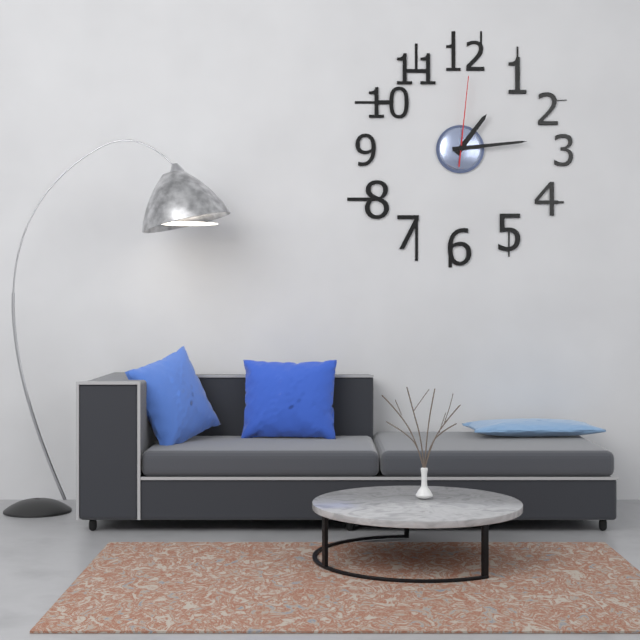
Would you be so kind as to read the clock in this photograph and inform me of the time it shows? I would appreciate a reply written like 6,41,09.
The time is 1,14,01
